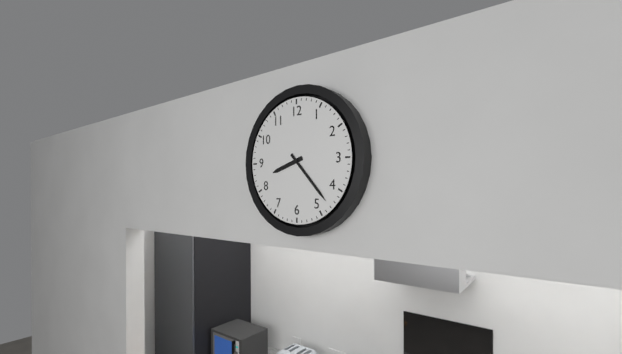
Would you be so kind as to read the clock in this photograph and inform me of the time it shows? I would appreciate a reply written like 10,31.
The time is 8,23
